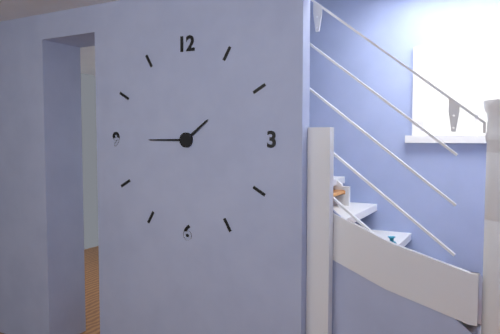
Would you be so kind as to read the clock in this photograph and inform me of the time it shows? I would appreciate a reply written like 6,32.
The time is 1,45
